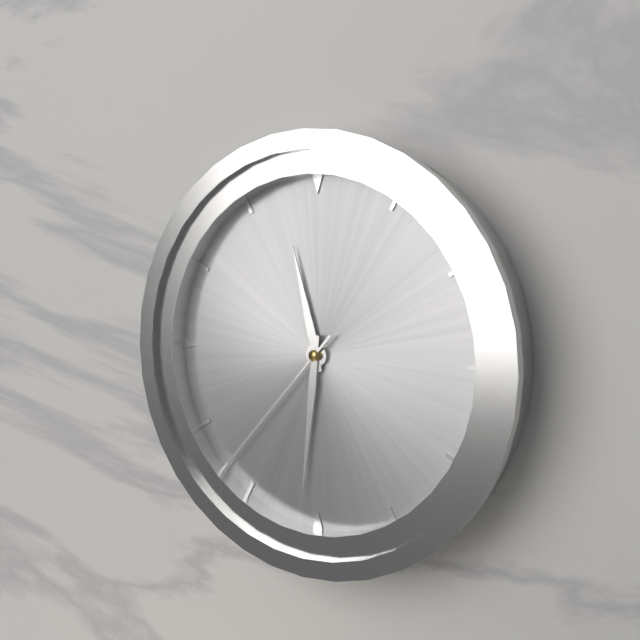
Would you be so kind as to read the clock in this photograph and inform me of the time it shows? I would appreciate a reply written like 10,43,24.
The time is 11,31,37
